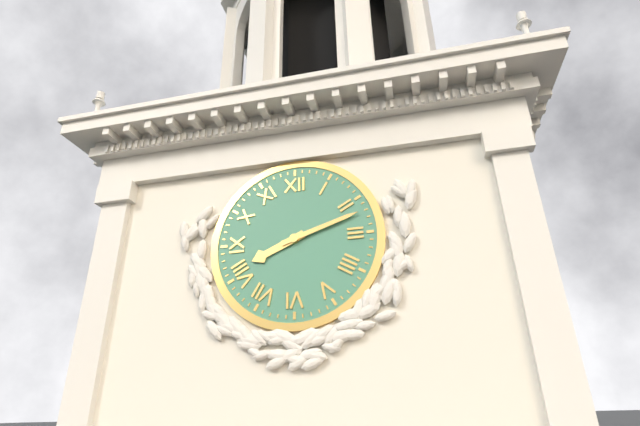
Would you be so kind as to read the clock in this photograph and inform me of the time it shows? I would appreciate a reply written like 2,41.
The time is 8,12
